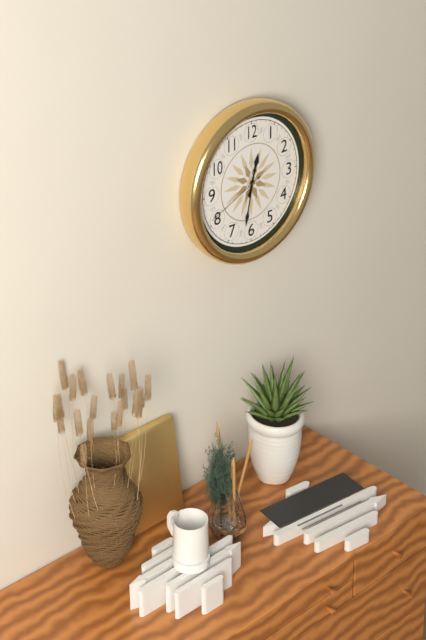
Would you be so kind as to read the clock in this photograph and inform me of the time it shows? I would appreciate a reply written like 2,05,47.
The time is 12,32,41
